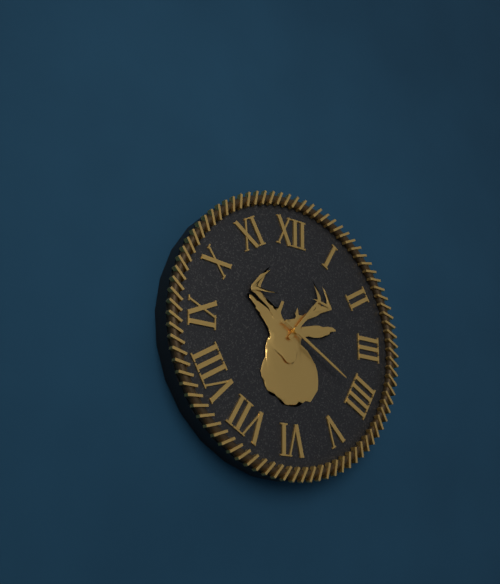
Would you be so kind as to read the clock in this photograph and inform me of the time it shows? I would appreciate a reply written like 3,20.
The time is 1,20
